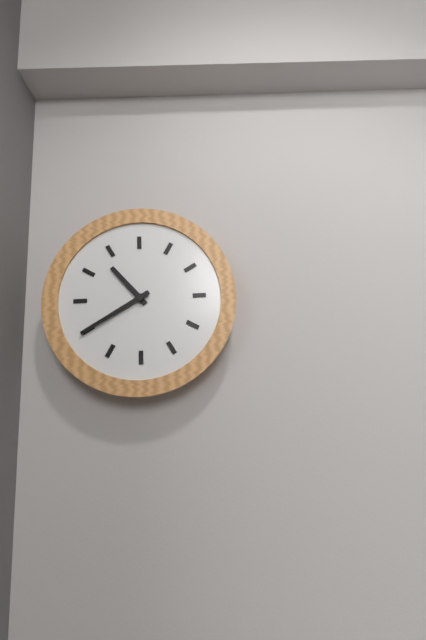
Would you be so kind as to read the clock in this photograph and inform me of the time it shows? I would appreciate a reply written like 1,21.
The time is 10,40
